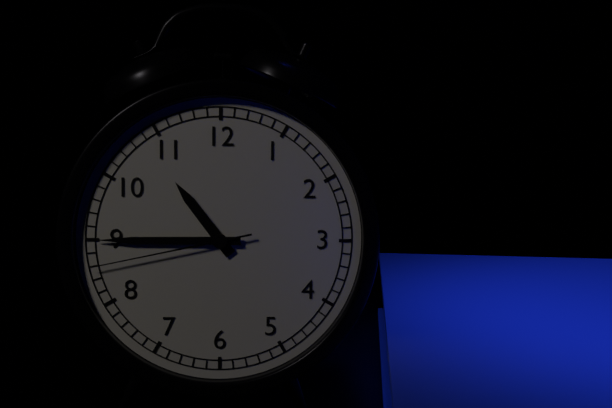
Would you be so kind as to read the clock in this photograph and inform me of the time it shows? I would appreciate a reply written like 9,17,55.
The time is 10,45,43
